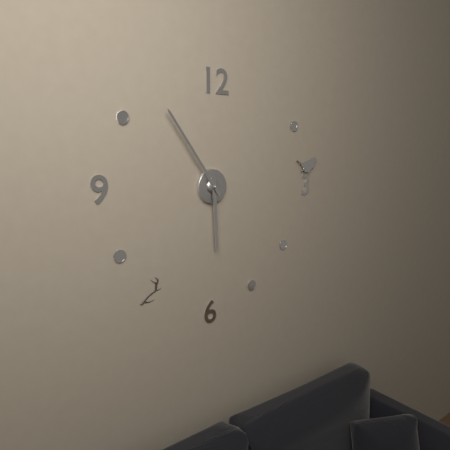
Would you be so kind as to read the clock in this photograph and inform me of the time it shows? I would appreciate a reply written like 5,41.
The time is 5,54
